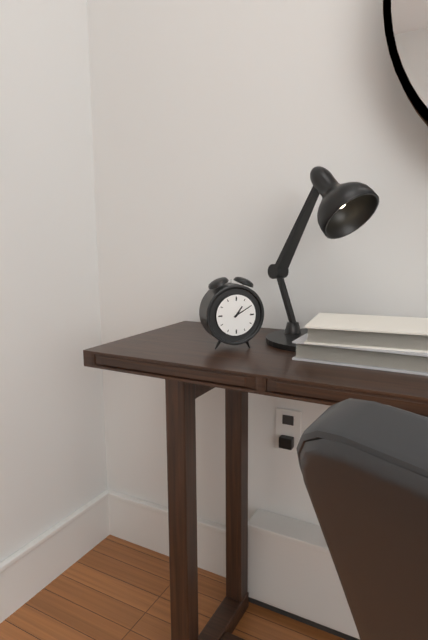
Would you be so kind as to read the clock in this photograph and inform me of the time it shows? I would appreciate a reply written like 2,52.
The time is 1,10
